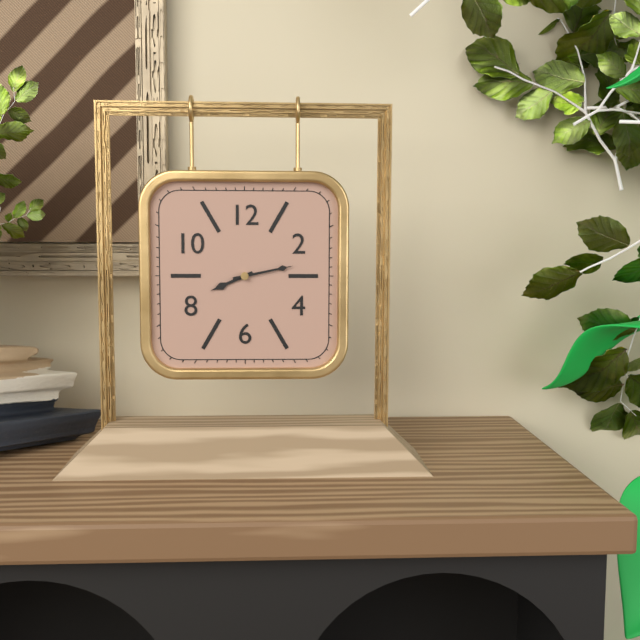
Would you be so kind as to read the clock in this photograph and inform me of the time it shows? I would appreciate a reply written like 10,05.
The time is 8,13
